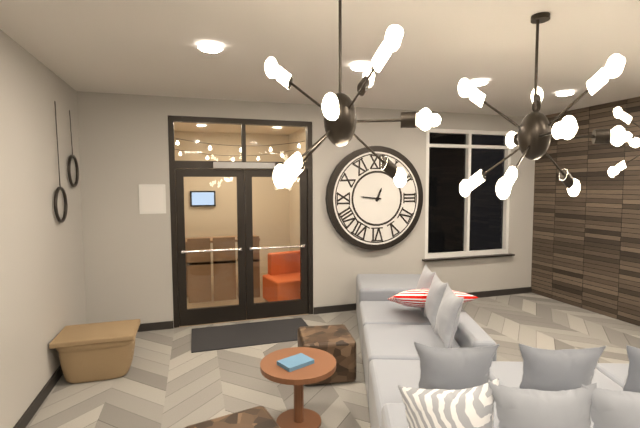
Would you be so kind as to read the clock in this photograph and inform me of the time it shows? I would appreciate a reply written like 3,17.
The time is 12,46
